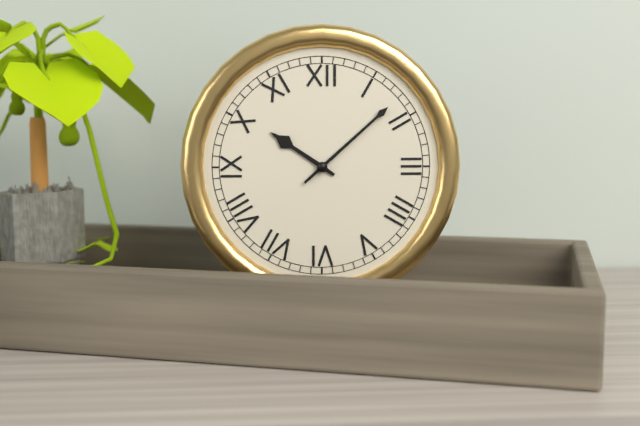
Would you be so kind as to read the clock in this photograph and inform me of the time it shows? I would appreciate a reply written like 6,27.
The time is 10,08
